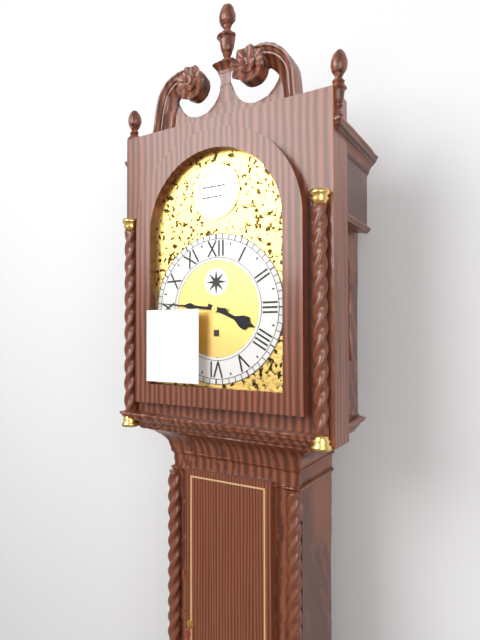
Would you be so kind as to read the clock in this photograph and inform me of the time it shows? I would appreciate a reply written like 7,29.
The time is 3,46
